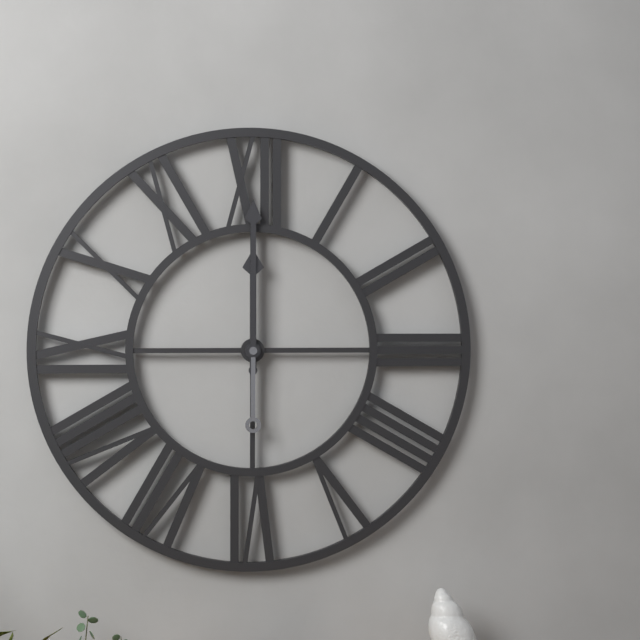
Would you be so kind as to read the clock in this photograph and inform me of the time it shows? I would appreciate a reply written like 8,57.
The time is 12,00
